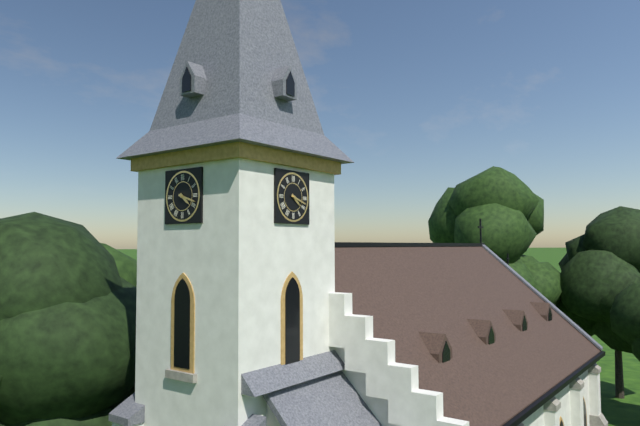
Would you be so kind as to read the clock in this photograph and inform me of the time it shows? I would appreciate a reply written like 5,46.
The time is 4,18
